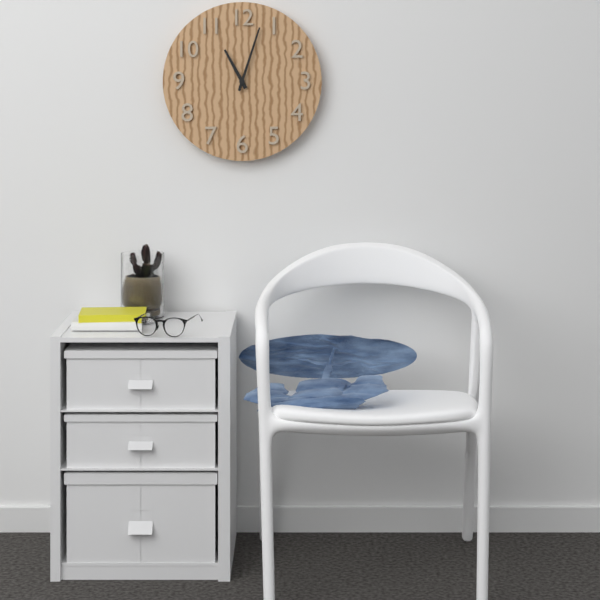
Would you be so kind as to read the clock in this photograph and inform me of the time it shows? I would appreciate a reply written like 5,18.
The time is 11,03
